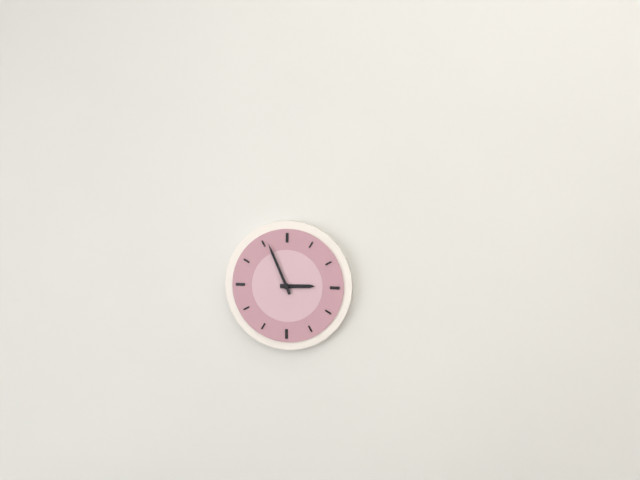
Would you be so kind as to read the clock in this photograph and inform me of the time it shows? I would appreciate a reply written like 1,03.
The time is 2,56
